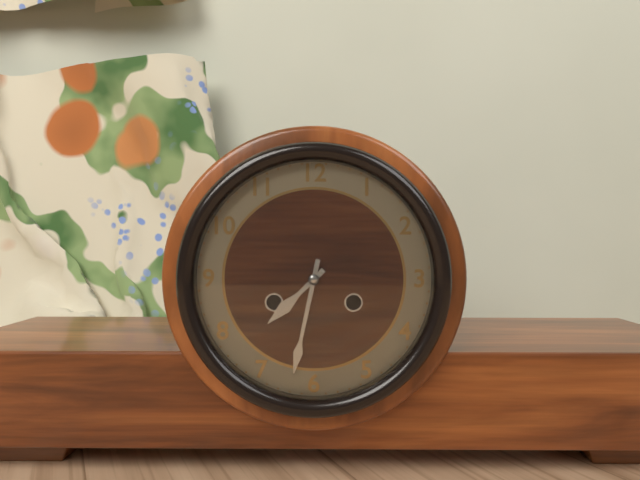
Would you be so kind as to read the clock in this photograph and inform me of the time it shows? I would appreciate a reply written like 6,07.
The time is 7,32
